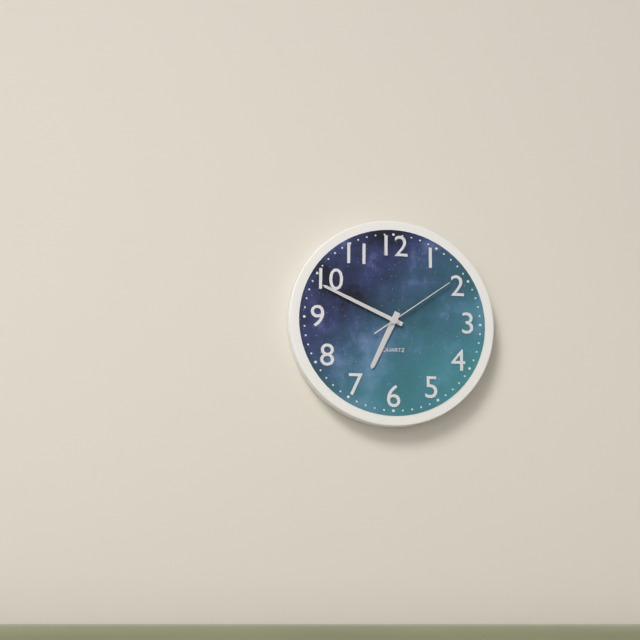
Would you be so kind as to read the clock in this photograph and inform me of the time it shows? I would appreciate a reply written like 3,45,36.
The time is 6,49,09
